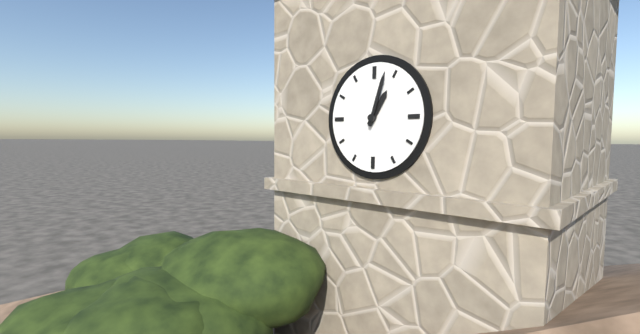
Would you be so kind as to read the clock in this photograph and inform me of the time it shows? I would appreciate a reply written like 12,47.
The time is 1,03
